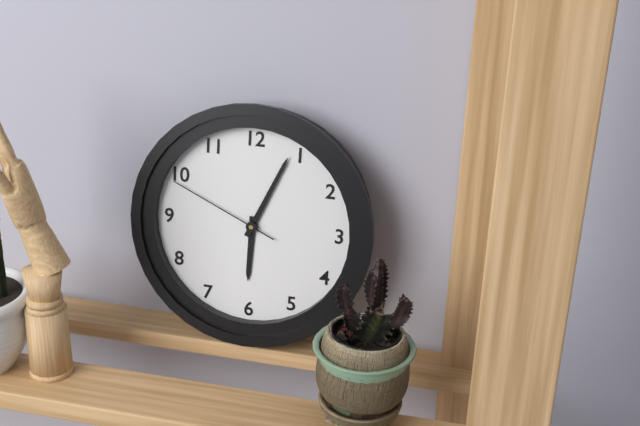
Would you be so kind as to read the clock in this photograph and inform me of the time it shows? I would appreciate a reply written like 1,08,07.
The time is 6,04,49
